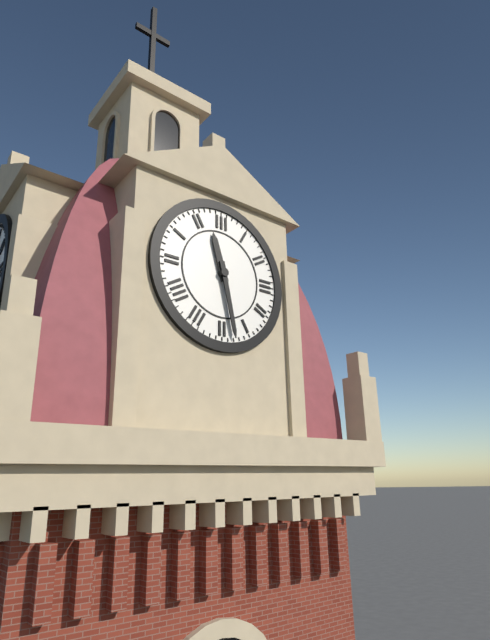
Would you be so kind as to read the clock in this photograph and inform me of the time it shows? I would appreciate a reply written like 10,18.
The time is 11,28
